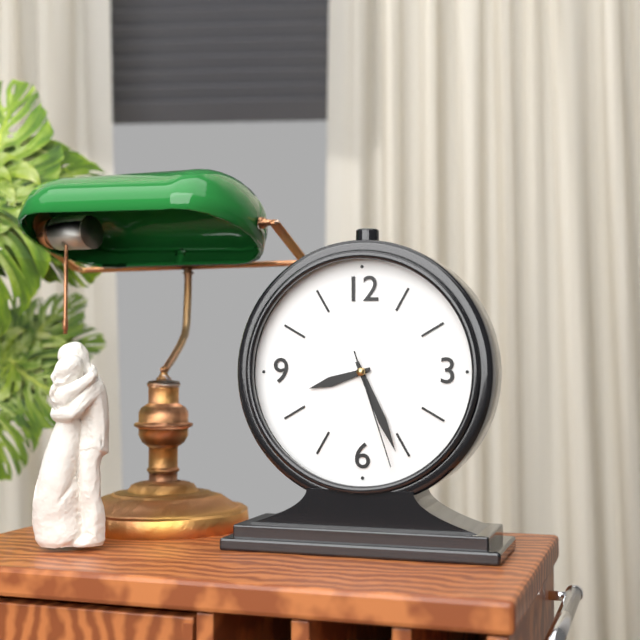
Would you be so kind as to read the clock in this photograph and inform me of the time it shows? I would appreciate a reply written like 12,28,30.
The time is 8,26,27
